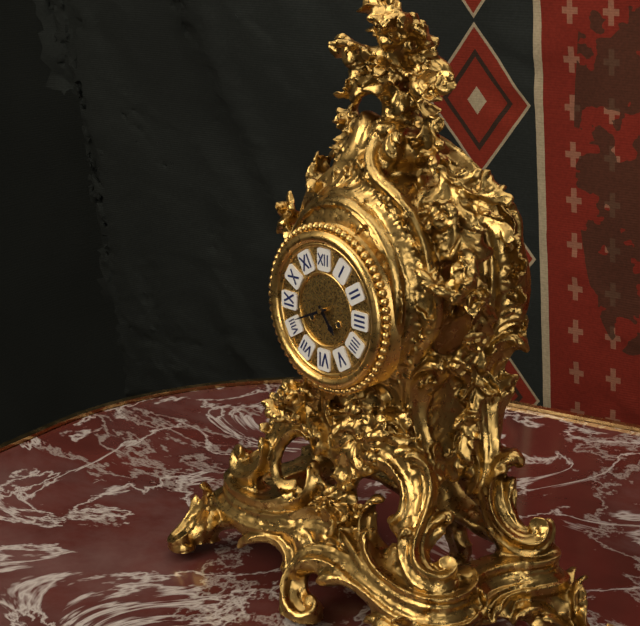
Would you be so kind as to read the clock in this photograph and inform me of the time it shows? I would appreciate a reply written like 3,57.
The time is 4,41
